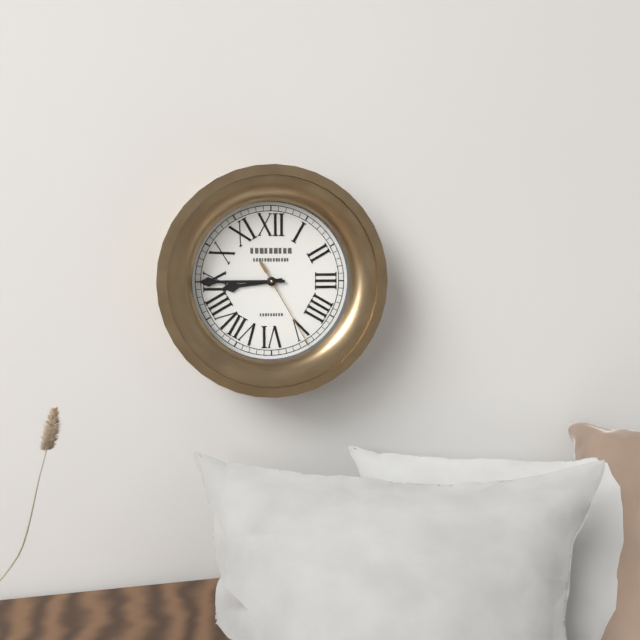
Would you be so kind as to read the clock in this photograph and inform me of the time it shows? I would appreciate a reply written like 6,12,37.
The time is 8,45,25
